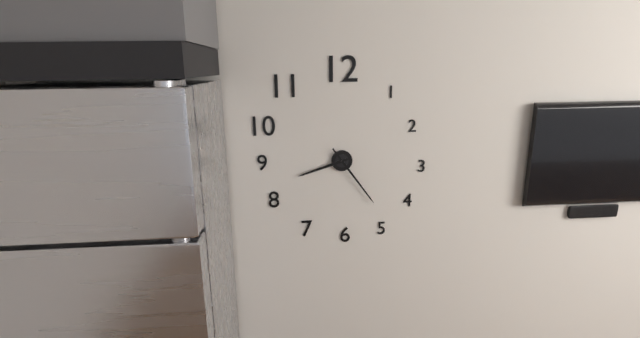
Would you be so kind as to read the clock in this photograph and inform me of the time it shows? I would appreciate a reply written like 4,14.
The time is 8,24
